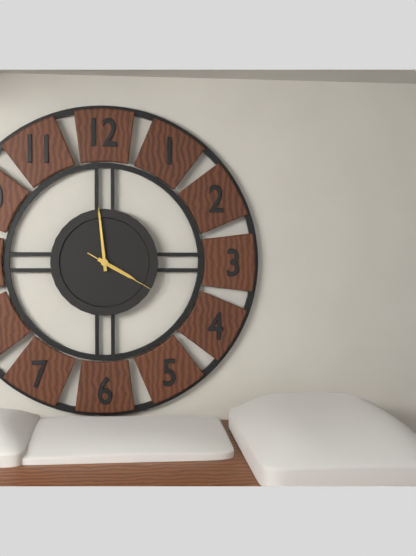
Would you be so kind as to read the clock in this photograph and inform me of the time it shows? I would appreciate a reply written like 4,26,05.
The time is 3,59,20
